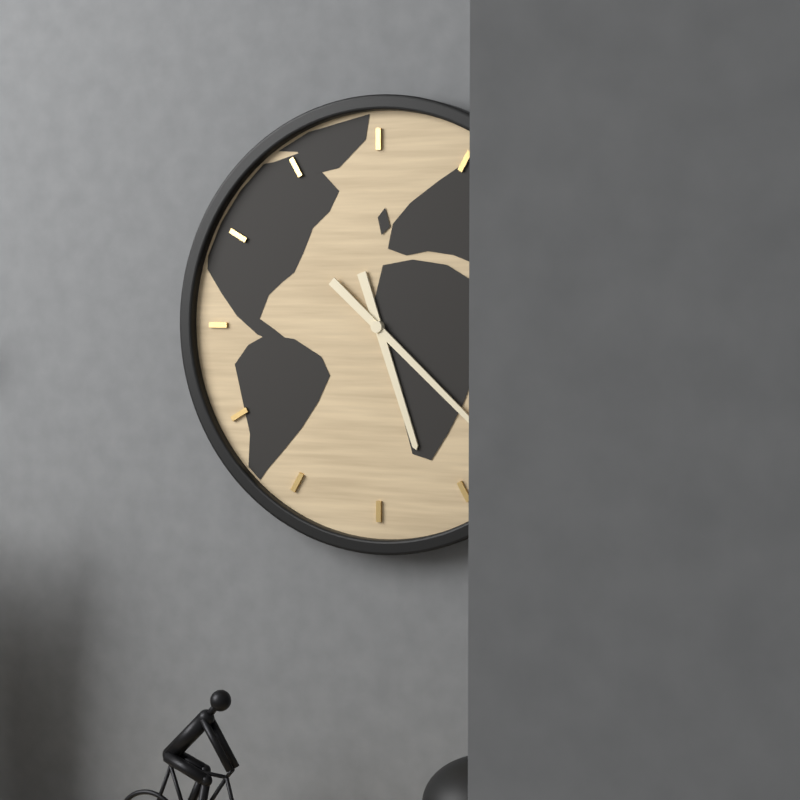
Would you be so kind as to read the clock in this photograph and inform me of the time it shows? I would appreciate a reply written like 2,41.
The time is 5,22
